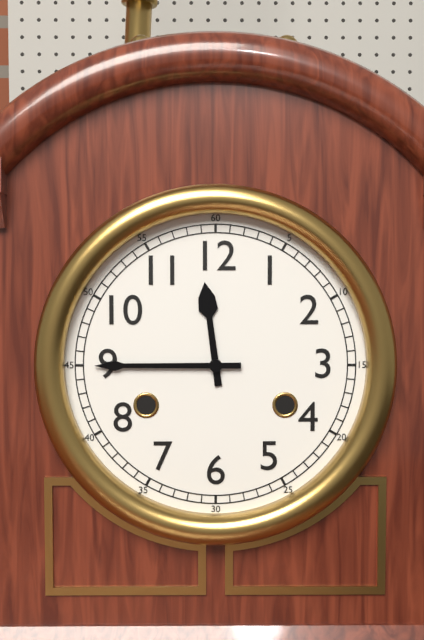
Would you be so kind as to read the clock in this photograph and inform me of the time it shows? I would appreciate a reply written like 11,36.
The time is 11,45
